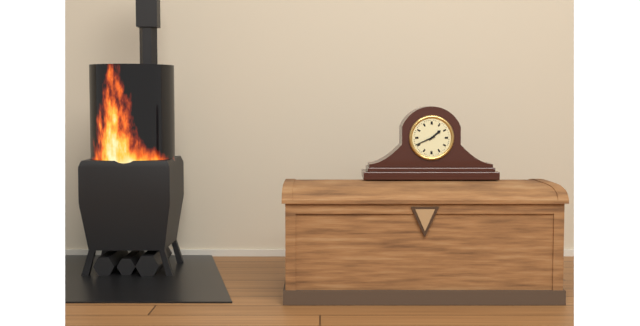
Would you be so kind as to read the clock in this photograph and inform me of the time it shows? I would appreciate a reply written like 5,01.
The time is 1,41
